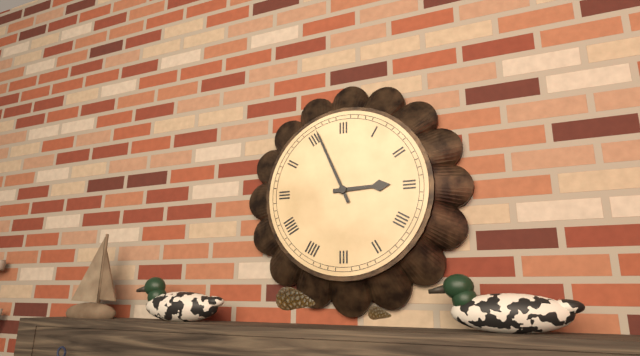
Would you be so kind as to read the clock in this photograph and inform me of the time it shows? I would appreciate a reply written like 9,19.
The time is 2,56
